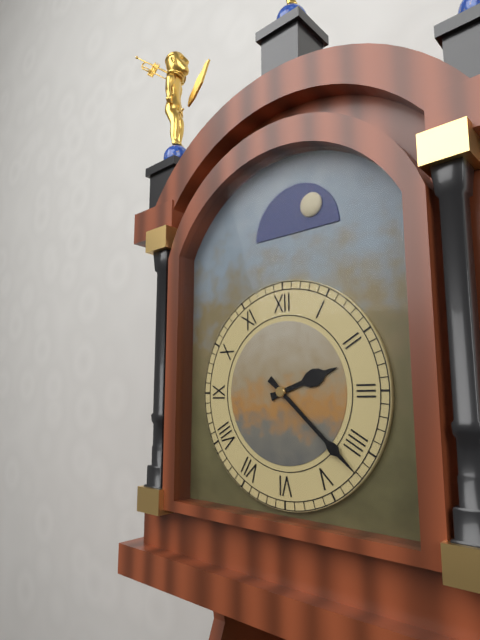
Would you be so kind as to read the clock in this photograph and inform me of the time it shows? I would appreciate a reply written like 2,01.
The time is 2,22
